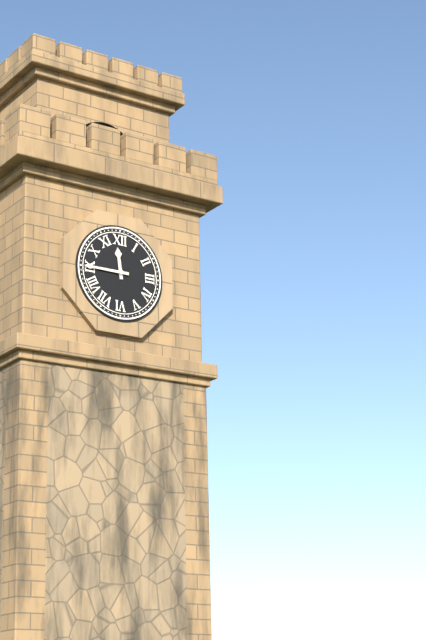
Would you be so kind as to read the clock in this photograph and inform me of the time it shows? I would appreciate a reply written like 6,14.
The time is 11,45
